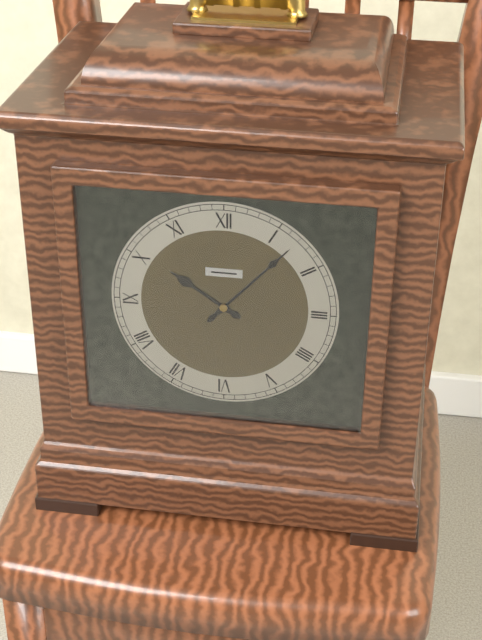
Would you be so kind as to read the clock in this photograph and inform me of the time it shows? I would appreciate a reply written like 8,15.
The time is 10,07
